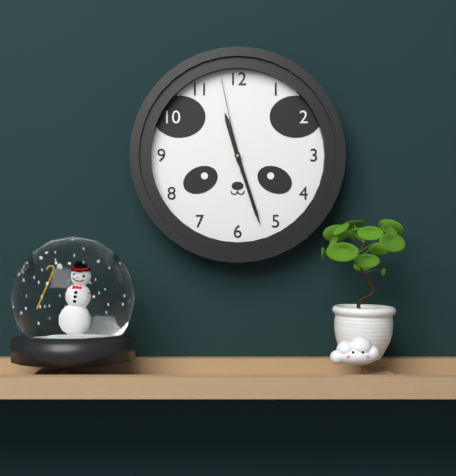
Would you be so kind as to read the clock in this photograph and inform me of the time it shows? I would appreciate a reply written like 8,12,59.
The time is 11,27,58
